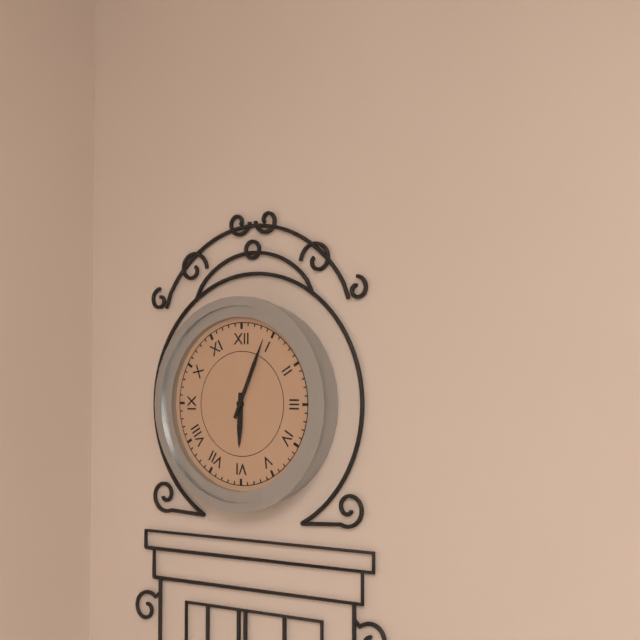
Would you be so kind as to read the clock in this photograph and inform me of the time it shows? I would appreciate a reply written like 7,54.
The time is 6,04
